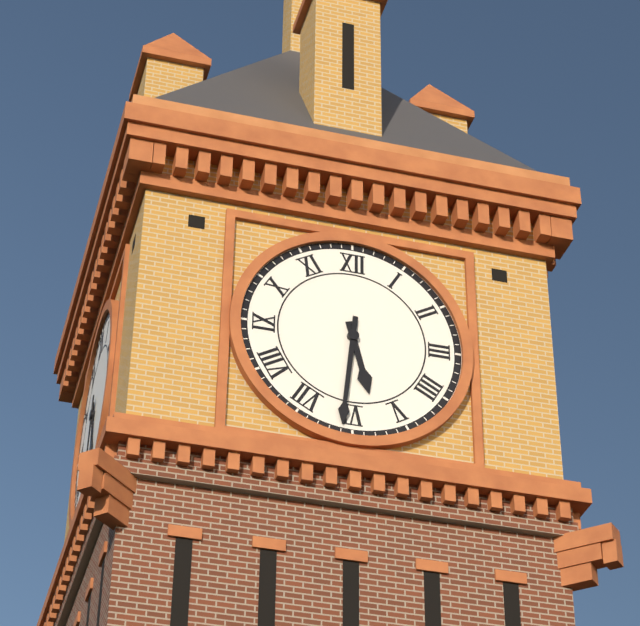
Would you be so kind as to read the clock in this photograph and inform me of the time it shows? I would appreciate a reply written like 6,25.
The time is 5,31
